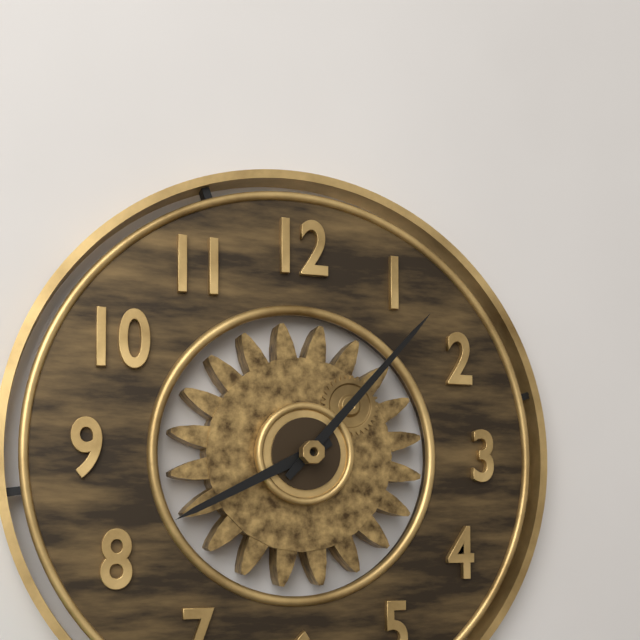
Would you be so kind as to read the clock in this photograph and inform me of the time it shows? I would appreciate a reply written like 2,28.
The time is 8,07
